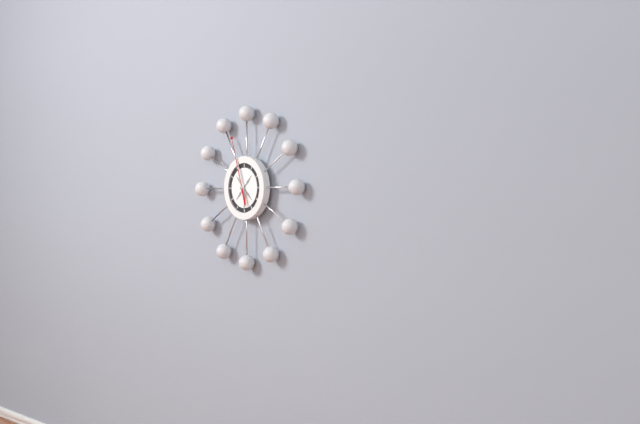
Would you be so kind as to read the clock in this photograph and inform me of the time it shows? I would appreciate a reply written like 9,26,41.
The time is 5,57,57
